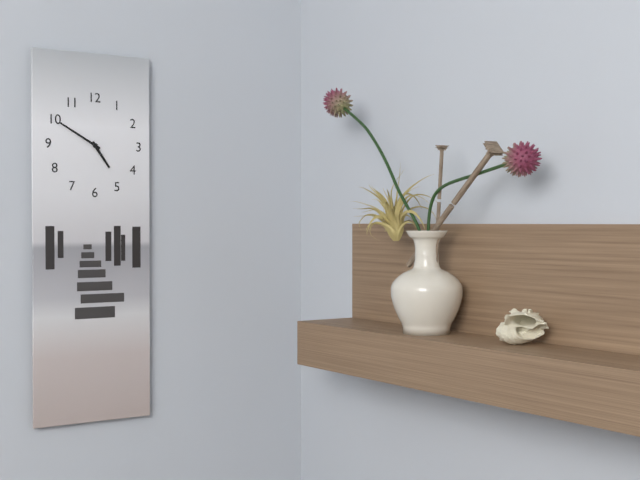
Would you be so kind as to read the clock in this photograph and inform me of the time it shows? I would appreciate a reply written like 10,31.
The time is 4,50
